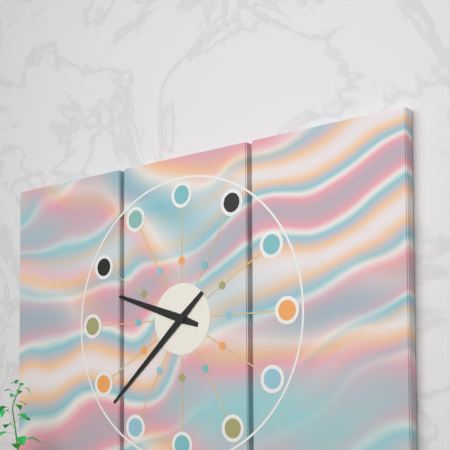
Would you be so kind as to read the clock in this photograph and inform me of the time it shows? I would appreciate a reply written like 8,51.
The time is 9,38
